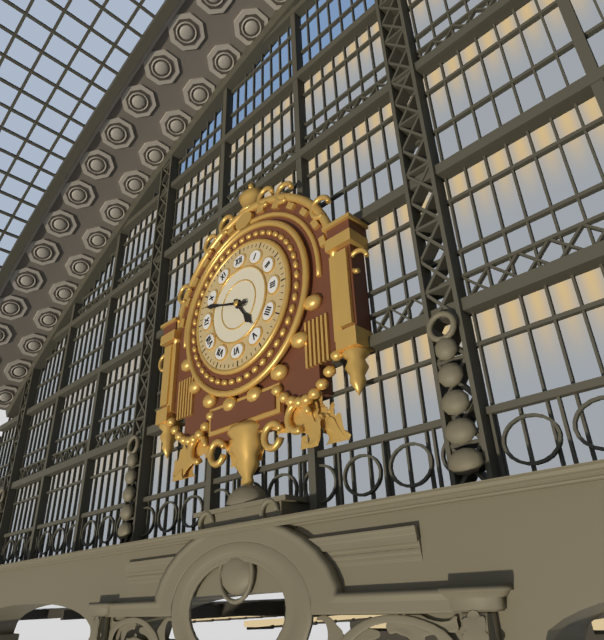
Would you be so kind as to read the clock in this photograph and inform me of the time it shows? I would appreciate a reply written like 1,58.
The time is 4,48
